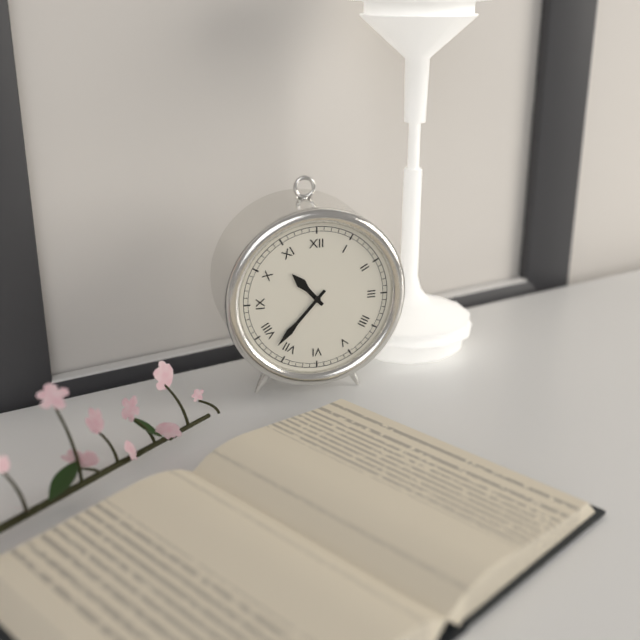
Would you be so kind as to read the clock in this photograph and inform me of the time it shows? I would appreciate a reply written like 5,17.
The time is 10,37
